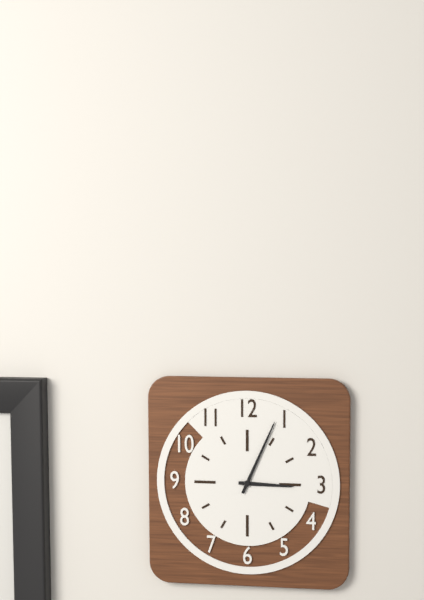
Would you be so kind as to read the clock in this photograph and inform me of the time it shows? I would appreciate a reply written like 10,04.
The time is 3,04
